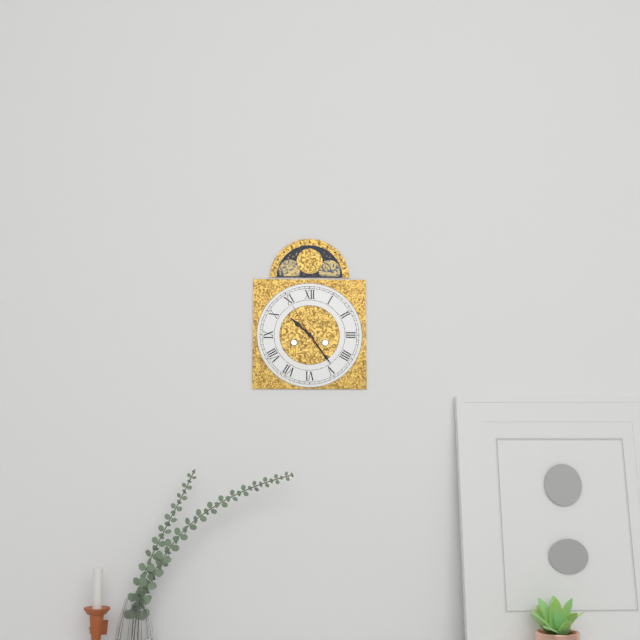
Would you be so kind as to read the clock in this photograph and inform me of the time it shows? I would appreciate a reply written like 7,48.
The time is 10,24
